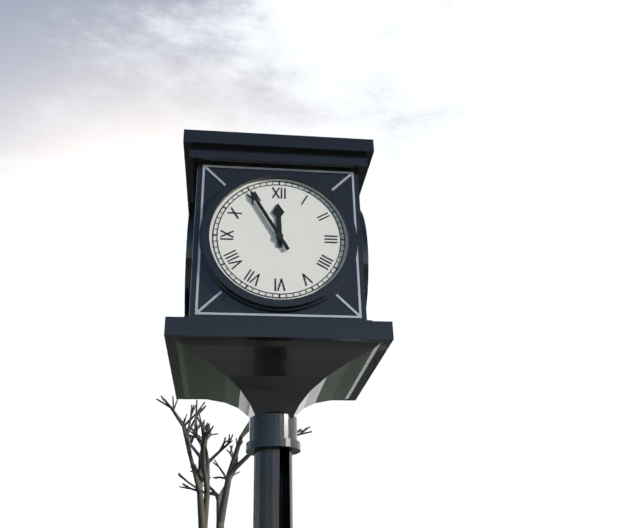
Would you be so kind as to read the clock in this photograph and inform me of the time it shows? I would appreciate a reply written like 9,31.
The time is 11,55
